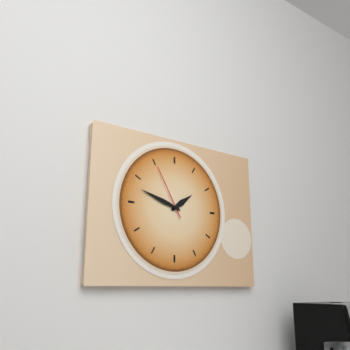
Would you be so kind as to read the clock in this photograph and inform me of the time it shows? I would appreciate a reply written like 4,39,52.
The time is 1,48,55
